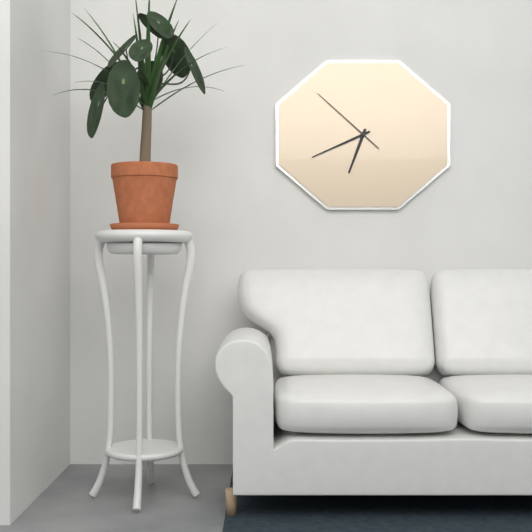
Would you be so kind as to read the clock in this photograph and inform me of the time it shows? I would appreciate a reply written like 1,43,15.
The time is 6,41,52
